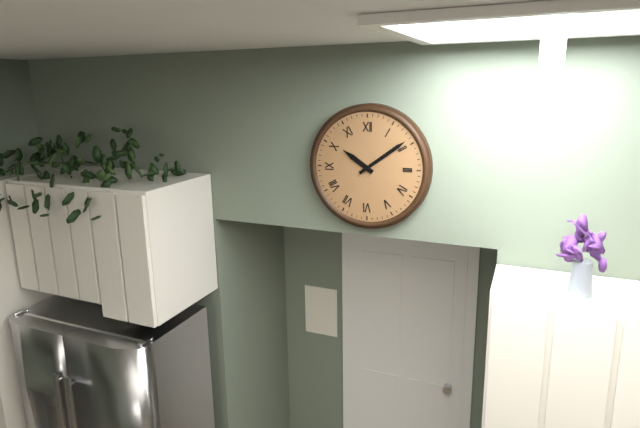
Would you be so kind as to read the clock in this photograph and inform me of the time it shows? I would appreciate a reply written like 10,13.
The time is 10,09
